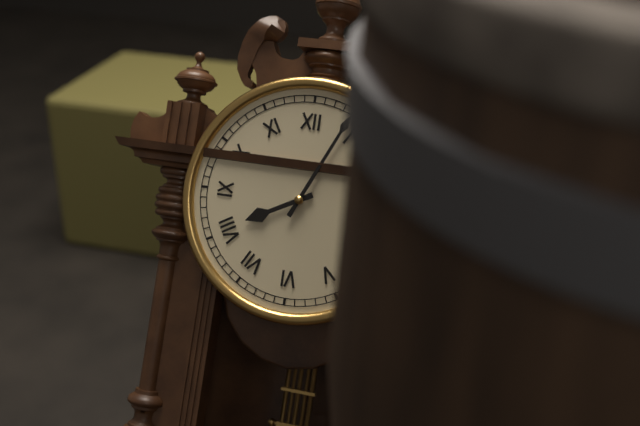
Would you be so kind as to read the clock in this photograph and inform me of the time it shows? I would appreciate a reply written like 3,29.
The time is 8,04
